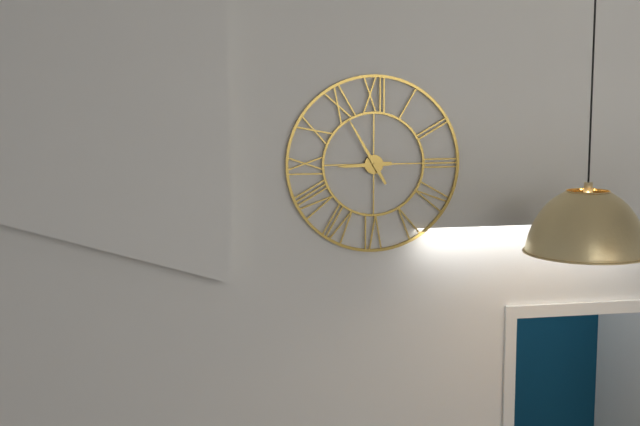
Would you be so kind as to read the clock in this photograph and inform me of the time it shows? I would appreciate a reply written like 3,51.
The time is 8,55
